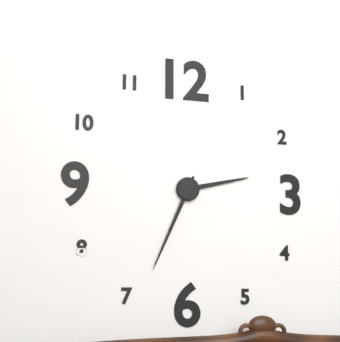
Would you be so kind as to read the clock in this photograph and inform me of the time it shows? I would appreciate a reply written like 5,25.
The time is 2,34
